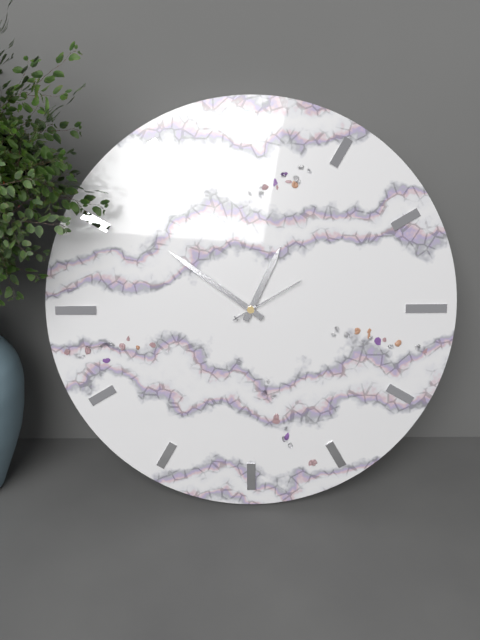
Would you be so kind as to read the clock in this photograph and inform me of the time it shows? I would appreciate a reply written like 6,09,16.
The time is 12,51,10
